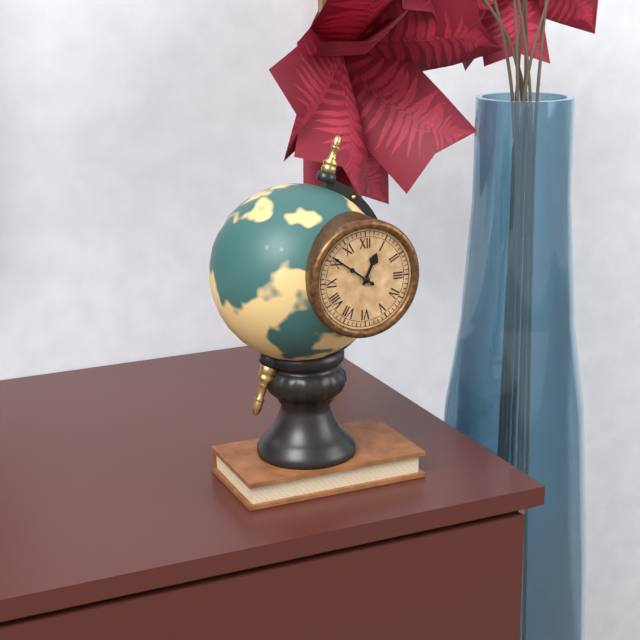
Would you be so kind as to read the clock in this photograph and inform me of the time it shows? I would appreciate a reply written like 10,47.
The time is 12,51
